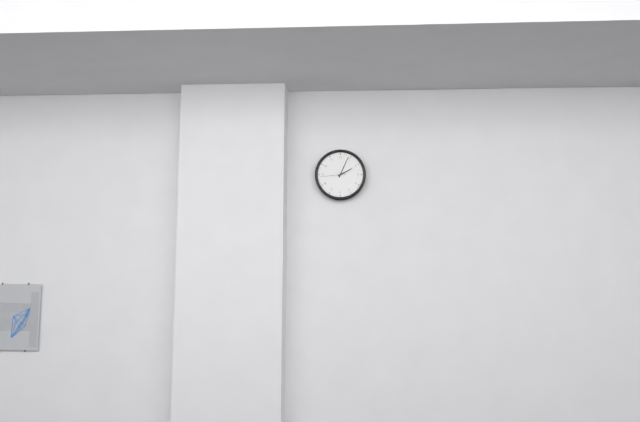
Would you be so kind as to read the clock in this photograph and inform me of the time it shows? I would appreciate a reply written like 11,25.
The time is 2,04
